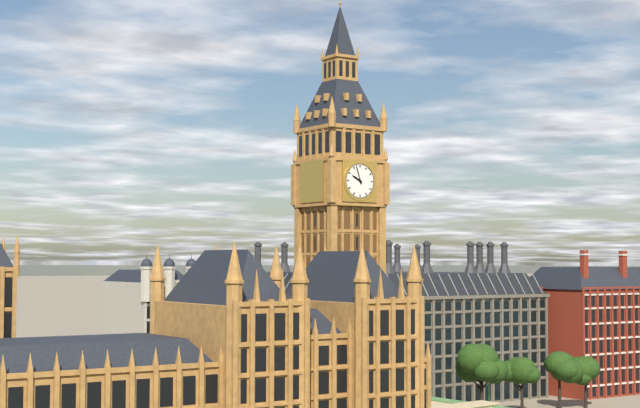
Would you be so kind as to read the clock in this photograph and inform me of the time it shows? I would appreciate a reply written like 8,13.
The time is 9,57
